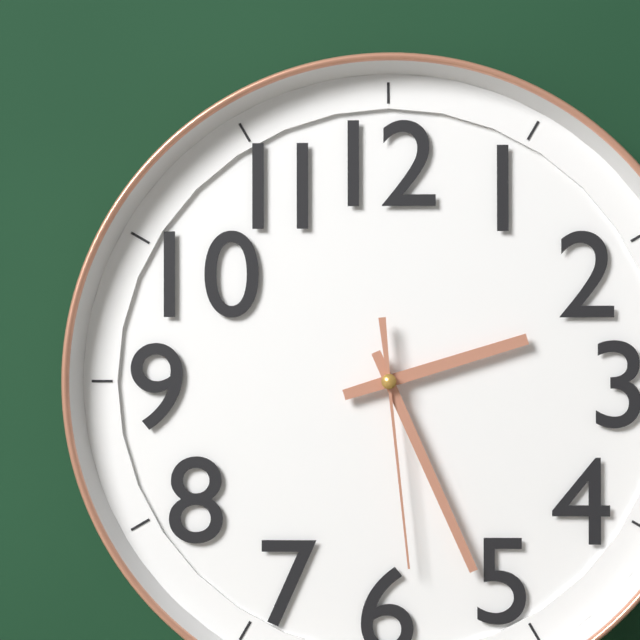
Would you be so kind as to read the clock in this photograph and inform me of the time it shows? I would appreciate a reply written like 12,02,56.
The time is 2,26,29
